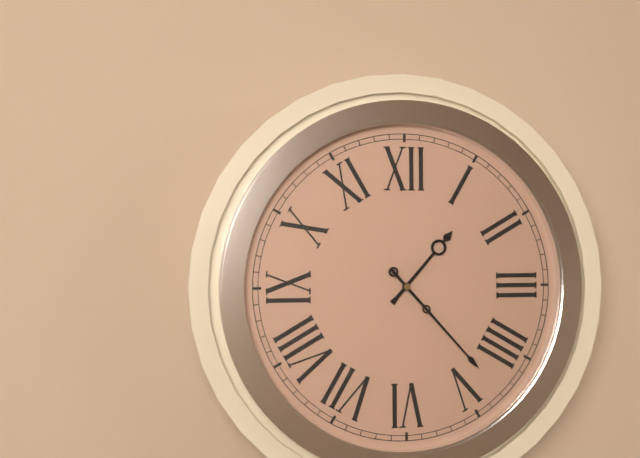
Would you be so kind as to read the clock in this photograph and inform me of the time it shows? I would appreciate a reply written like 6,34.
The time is 1,23
